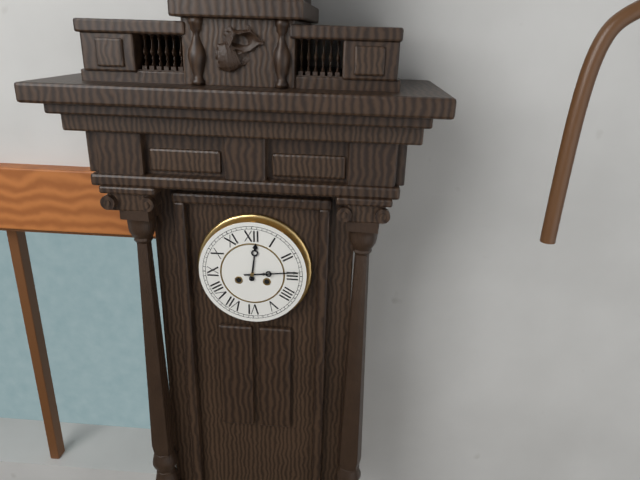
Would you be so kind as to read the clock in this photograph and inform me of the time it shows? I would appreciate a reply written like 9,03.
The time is 12,14
